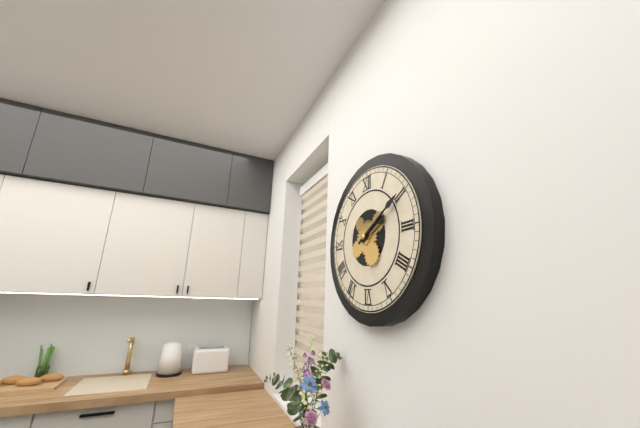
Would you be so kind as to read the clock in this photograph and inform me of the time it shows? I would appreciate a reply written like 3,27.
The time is 2,10
